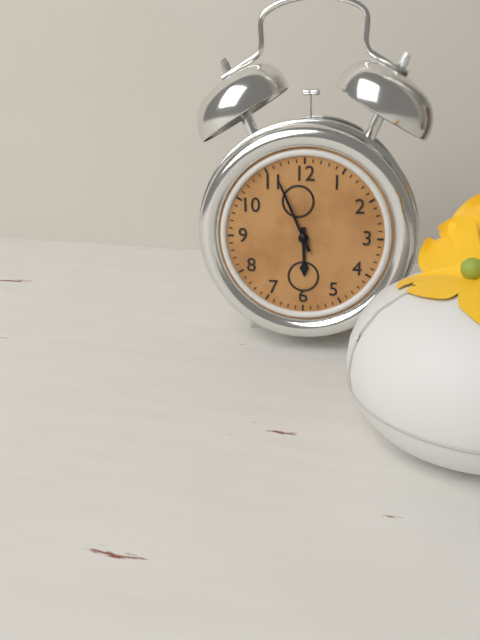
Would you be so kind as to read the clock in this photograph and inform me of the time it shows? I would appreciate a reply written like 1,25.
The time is 5,56
